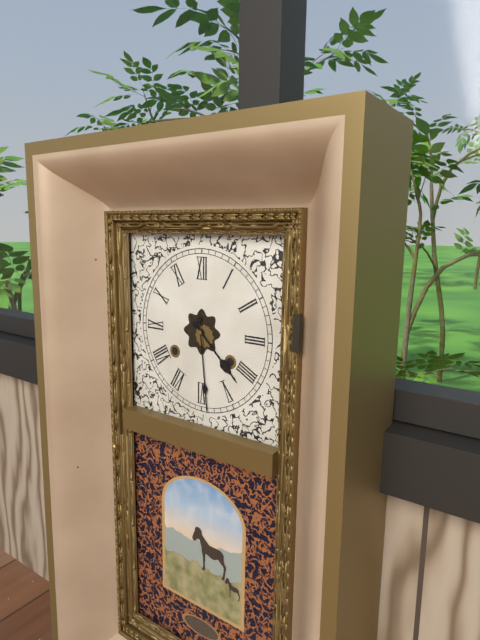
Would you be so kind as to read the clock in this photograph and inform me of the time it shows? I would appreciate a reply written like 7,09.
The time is 4,29
